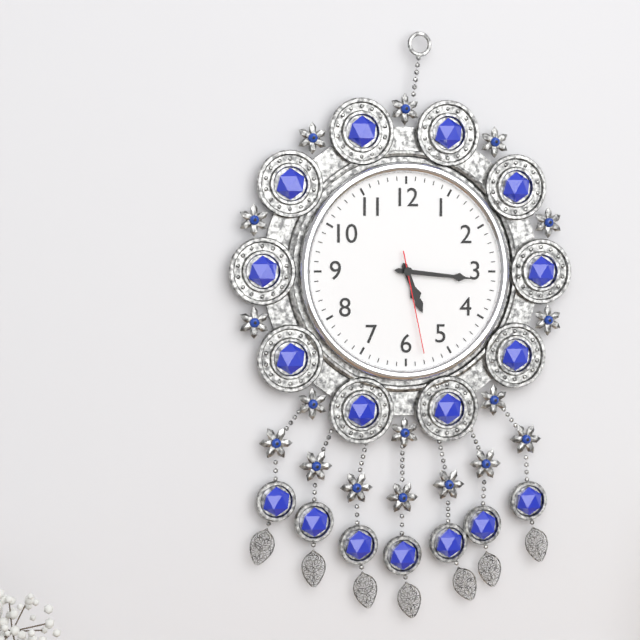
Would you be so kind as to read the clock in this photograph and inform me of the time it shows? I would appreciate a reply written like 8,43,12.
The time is 5,16,28
